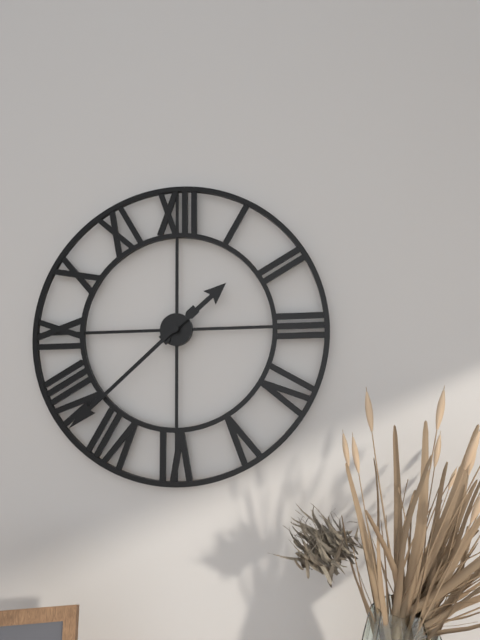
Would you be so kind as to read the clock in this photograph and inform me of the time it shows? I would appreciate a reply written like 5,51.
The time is 1,38
